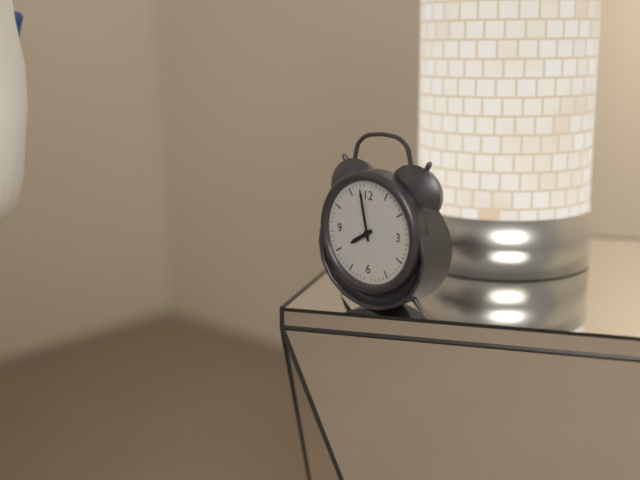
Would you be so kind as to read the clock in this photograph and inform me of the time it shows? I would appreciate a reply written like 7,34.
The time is 7,58
